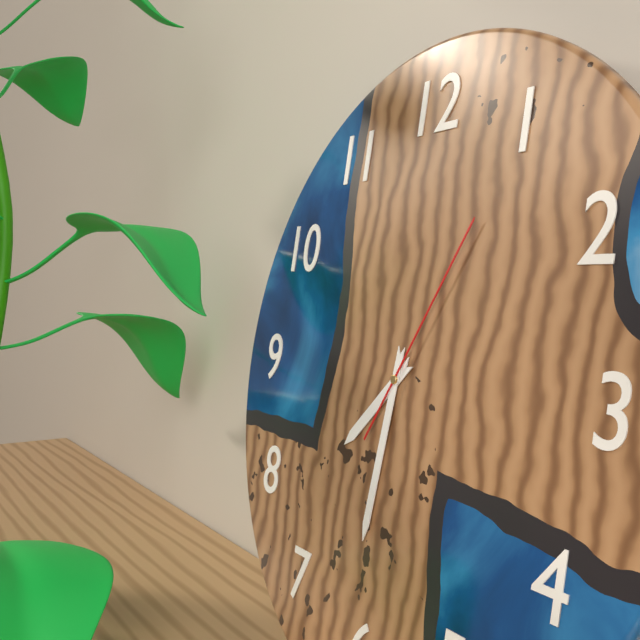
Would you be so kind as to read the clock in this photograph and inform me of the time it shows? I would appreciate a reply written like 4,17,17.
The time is 7,31,05
